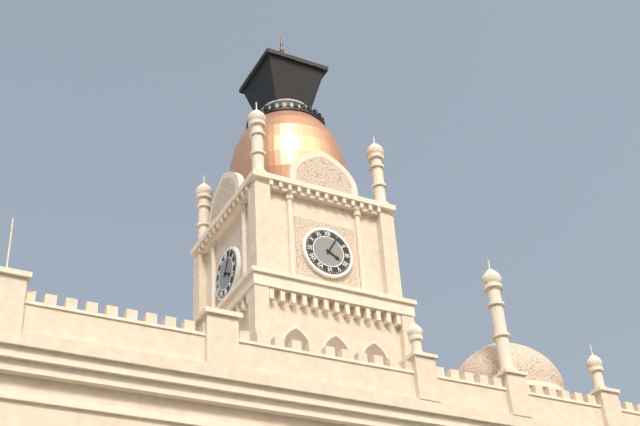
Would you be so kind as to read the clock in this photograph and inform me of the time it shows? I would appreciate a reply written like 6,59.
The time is 4,05
